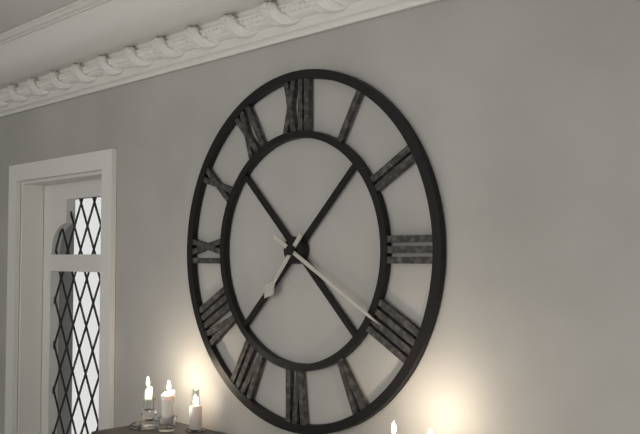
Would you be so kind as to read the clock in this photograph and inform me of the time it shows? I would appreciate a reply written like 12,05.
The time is 7,20
